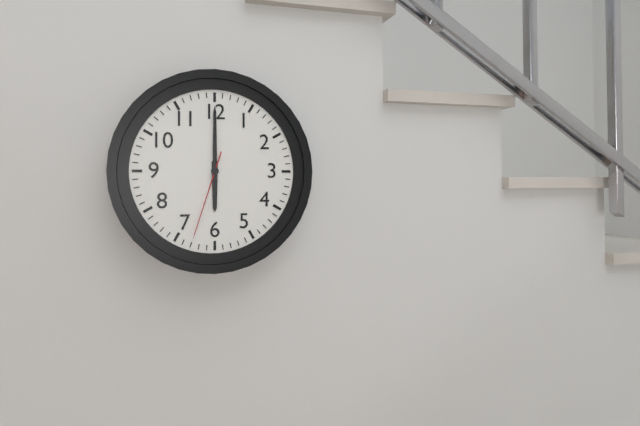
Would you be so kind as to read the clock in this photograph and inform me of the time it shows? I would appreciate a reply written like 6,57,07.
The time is 6,00,33
